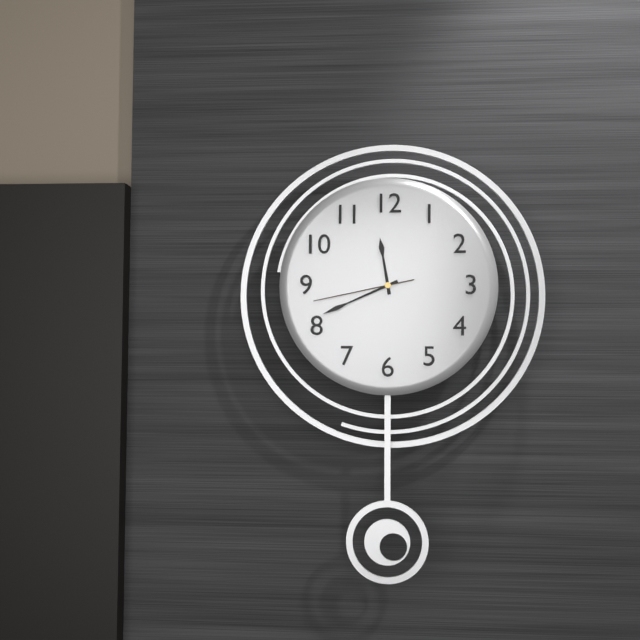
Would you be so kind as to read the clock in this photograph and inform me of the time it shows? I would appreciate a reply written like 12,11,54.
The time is 11,41,43
